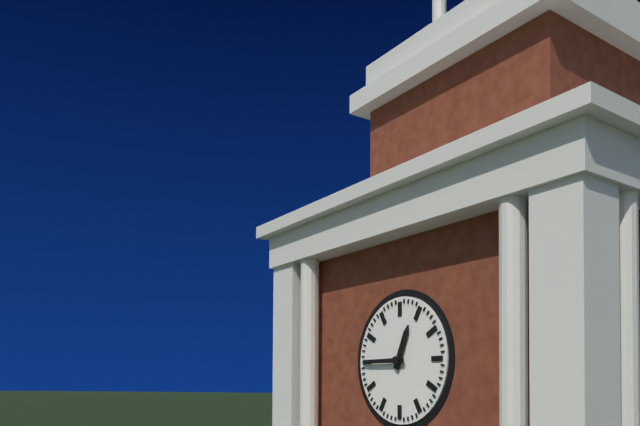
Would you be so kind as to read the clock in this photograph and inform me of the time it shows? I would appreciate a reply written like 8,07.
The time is 12,45
